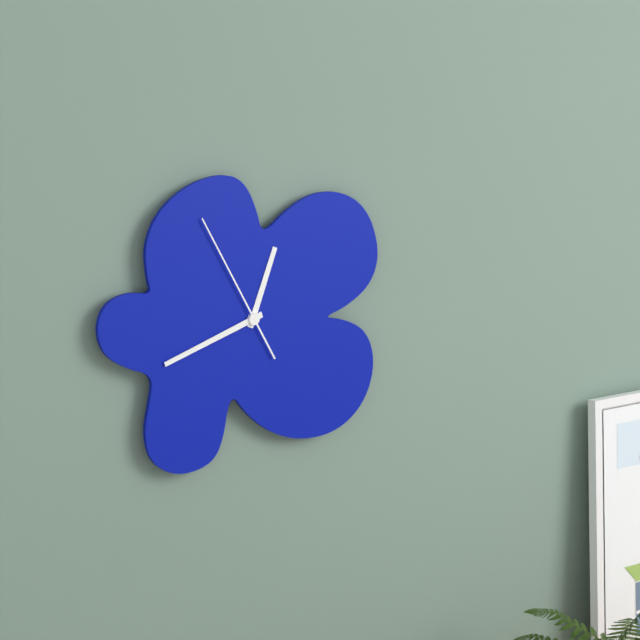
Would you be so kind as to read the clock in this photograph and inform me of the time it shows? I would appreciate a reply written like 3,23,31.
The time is 12,42,55
